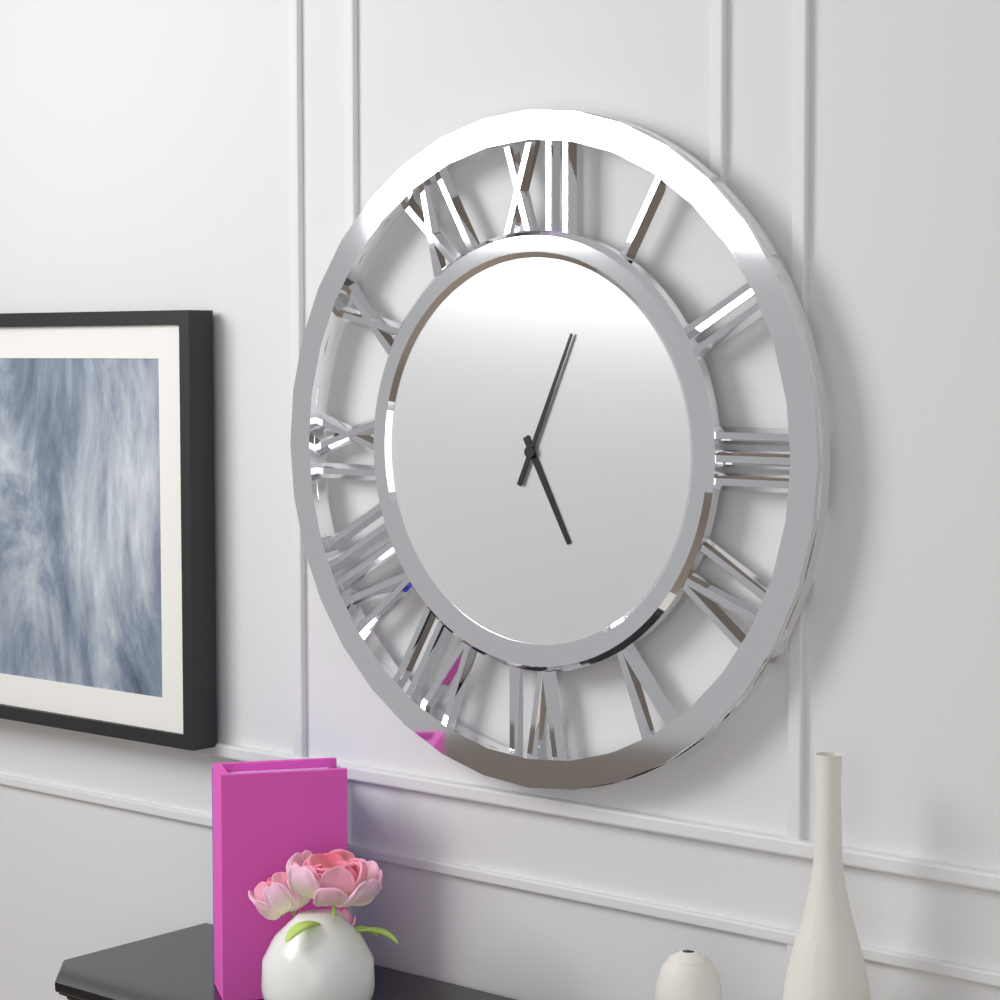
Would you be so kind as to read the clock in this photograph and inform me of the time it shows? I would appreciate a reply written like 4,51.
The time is 5,04
